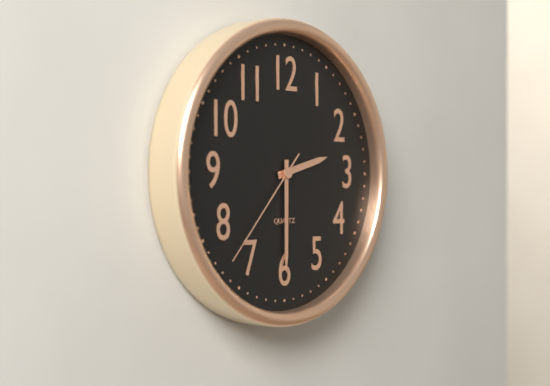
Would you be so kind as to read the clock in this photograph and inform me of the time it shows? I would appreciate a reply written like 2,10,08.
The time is 2,30,37
